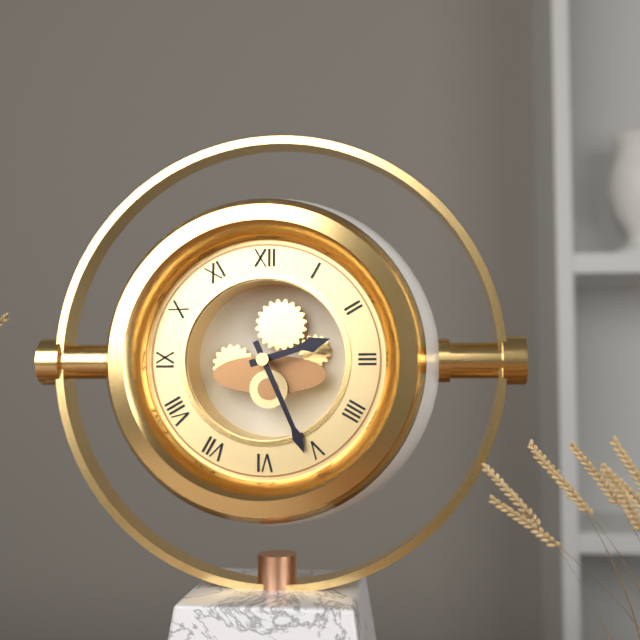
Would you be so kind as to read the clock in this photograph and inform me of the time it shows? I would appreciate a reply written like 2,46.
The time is 2,26
